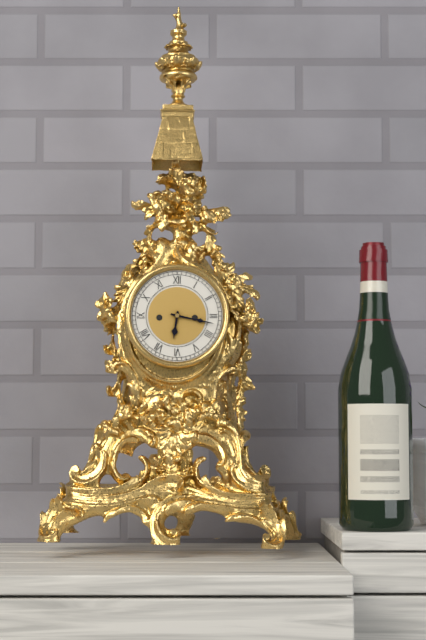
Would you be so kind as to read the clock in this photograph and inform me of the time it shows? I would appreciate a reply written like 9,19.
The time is 6,17
